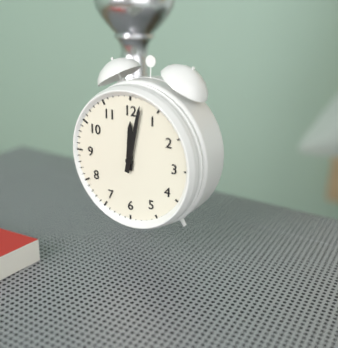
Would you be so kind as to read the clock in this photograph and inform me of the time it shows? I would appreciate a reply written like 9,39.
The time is 12,02
